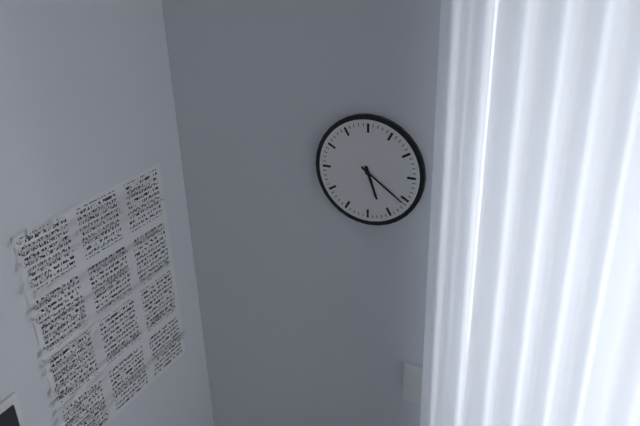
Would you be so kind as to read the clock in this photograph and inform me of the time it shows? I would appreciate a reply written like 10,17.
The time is 5,21
